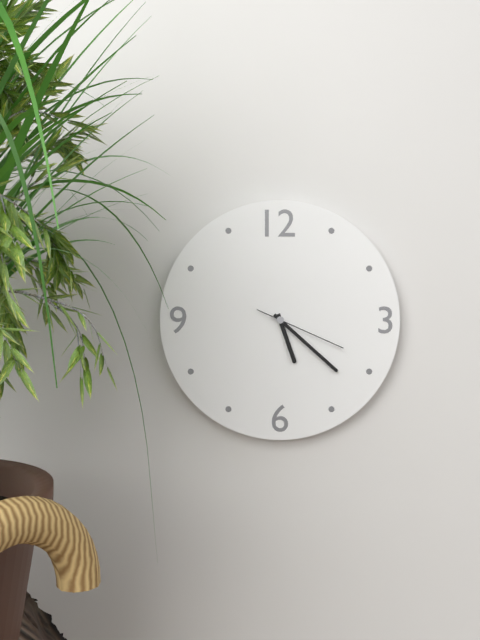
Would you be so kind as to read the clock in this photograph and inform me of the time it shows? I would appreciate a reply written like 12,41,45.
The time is 5,22,19
